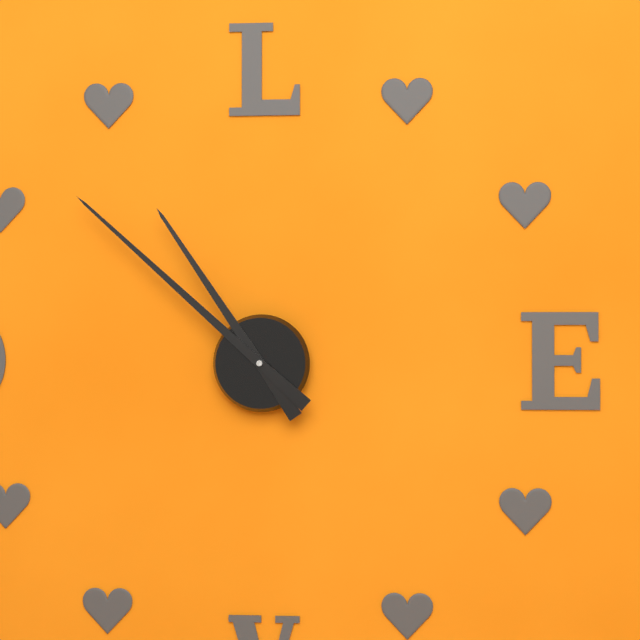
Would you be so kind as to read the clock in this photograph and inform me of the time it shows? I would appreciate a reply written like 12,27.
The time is 10,52
